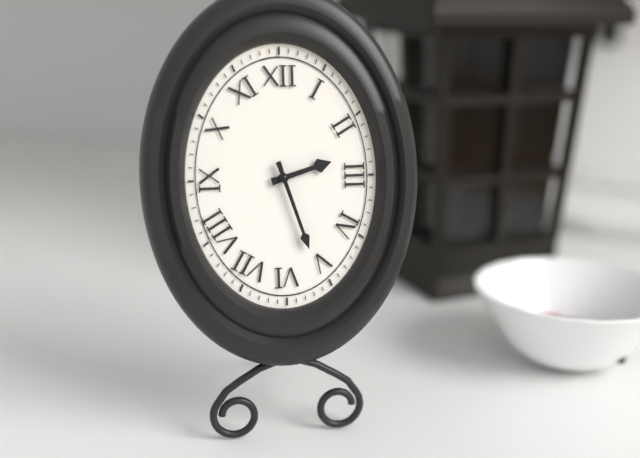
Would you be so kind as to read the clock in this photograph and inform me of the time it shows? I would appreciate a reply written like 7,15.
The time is 2,27
